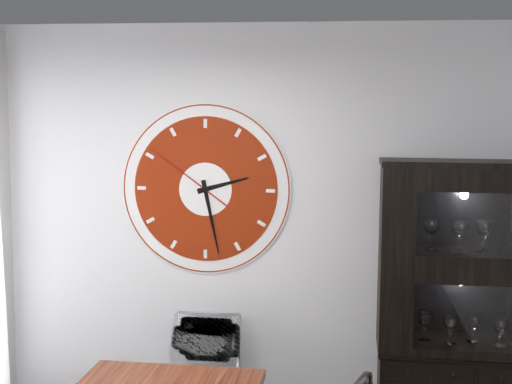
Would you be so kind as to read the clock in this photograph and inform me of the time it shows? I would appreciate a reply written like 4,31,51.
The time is 2,28,51
